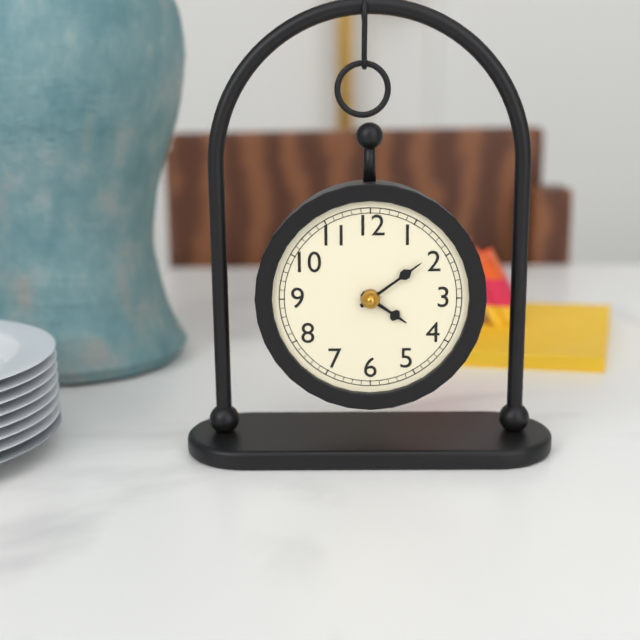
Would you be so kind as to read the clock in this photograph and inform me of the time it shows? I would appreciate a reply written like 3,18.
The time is 4,09
